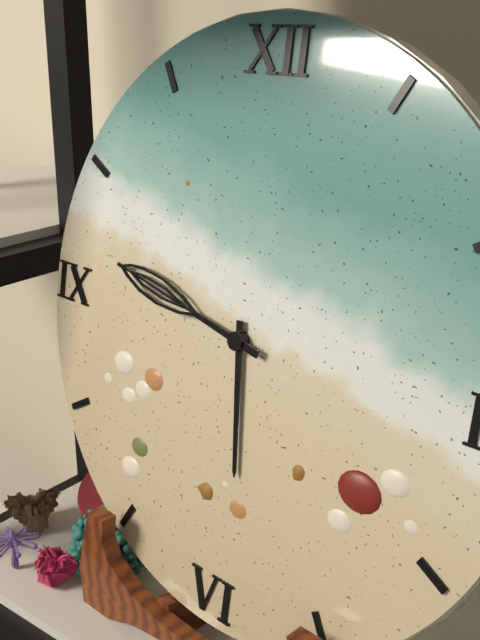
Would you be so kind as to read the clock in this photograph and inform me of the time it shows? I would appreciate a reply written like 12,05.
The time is 5,47
